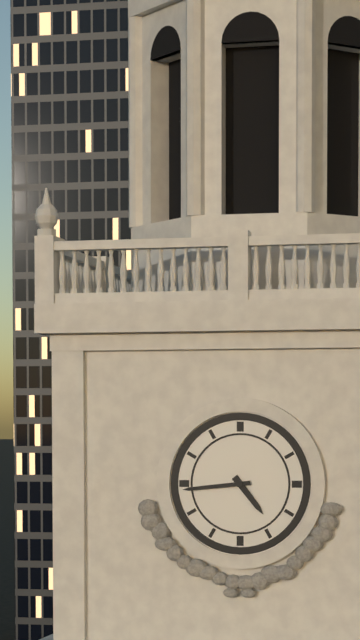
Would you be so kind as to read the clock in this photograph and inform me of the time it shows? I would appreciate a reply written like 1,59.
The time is 4,44
